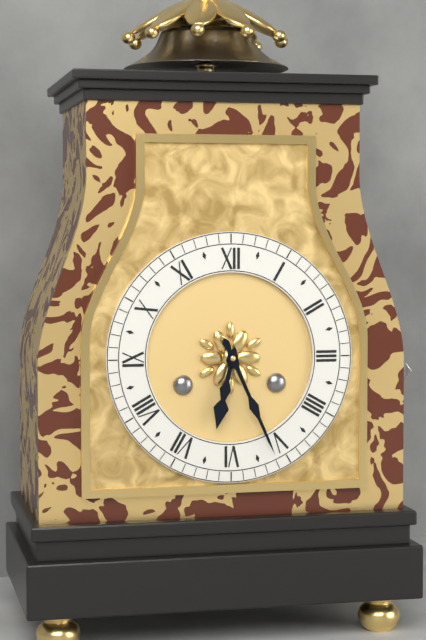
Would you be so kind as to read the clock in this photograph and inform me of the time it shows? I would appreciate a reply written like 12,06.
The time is 6,26
